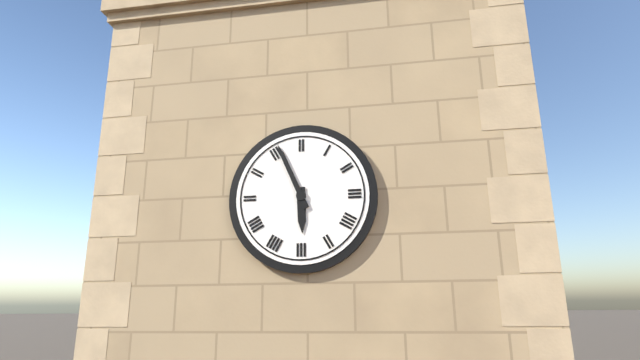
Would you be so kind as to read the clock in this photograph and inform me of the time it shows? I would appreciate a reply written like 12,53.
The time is 5,56
